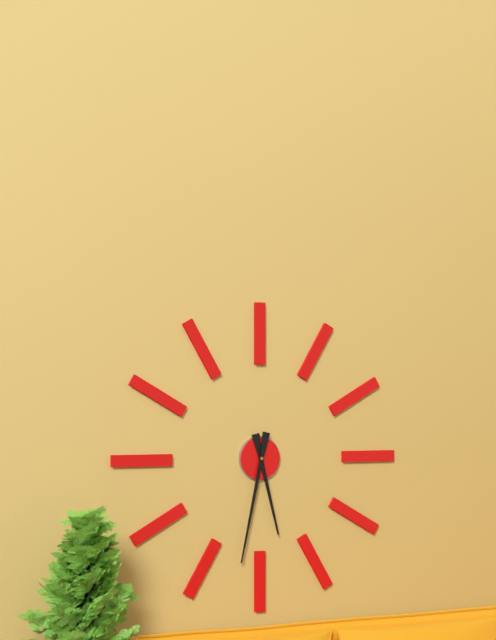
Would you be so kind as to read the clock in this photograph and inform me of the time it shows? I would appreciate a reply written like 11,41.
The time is 5,32
